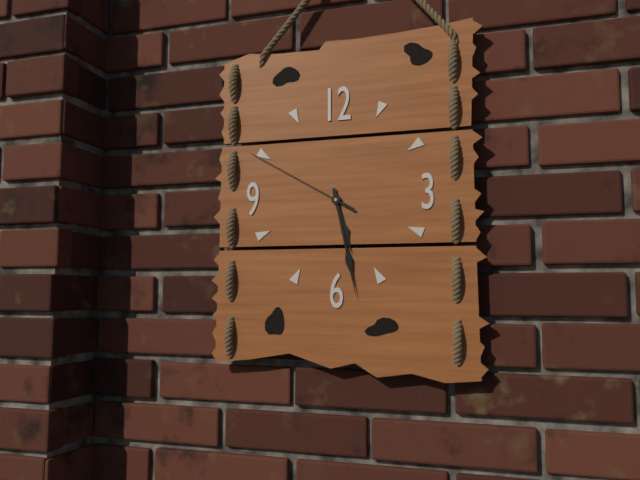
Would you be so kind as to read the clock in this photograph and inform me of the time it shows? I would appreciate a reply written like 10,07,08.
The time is 5,28,50
